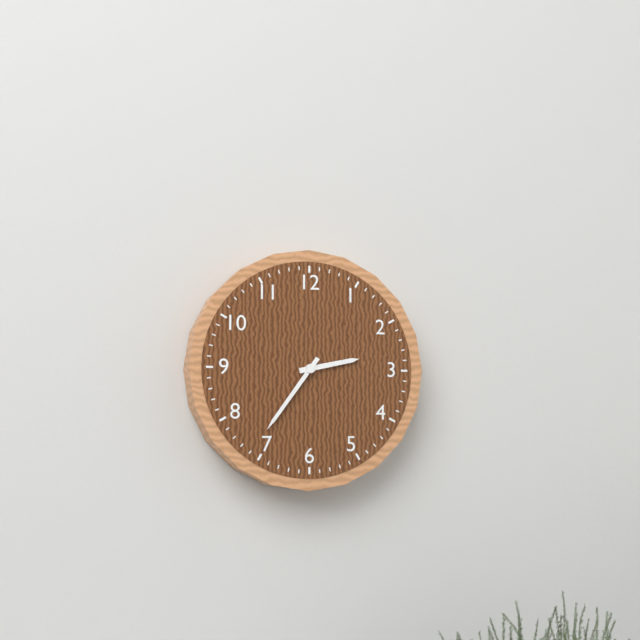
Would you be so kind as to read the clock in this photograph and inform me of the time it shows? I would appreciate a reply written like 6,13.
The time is 2,36
